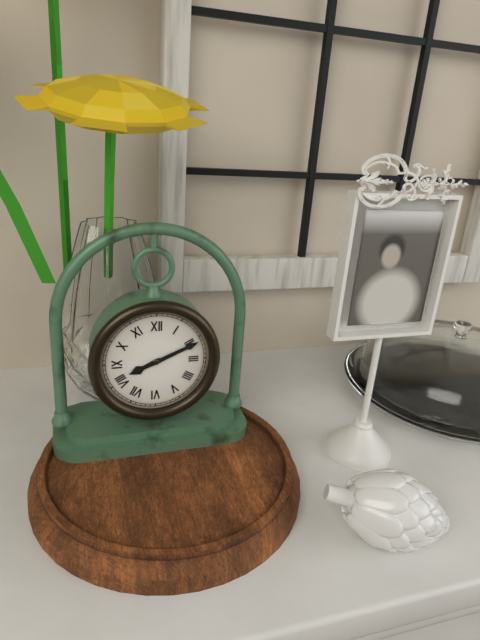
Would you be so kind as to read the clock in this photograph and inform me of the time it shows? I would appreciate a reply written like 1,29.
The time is 8,11
